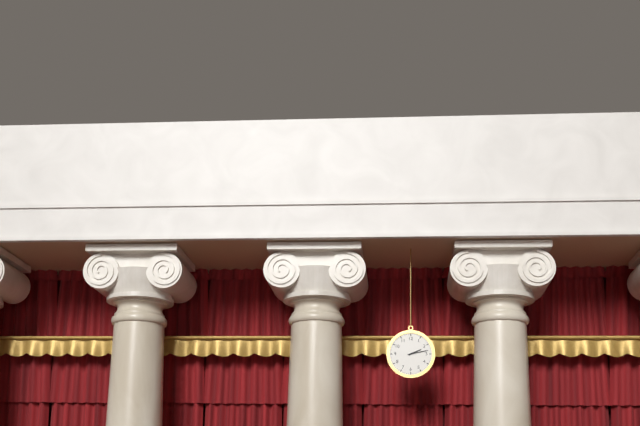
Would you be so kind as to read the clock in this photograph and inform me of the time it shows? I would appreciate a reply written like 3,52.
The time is 2,13
